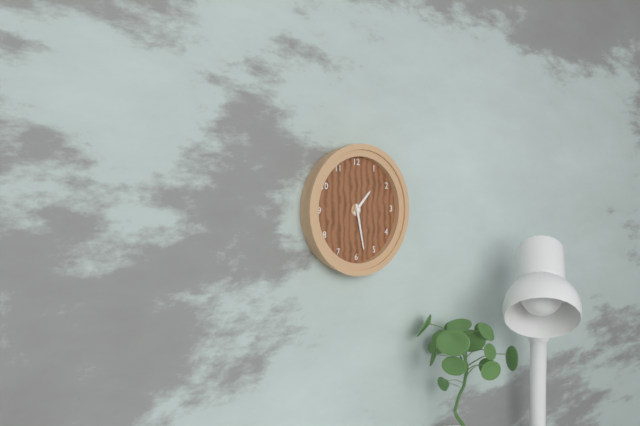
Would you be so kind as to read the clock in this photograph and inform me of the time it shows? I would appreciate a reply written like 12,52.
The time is 1,28
